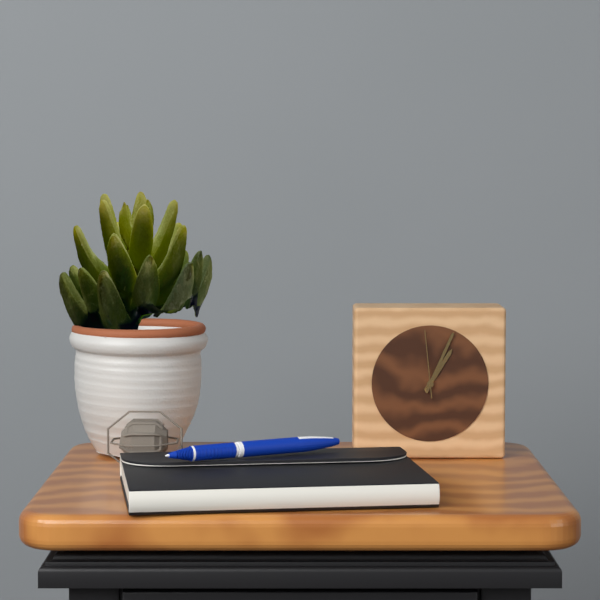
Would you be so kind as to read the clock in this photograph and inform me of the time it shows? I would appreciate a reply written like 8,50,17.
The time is 1,04,59
